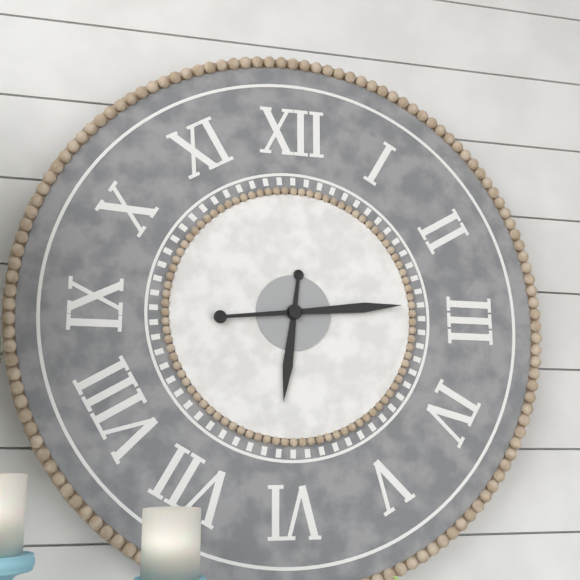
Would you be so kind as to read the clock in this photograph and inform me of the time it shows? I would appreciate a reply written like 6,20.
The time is 6,14
